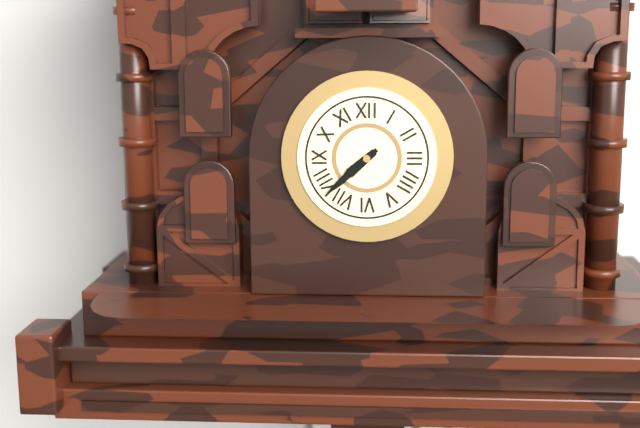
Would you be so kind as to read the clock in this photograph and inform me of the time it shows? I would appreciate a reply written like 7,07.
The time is 7,38
